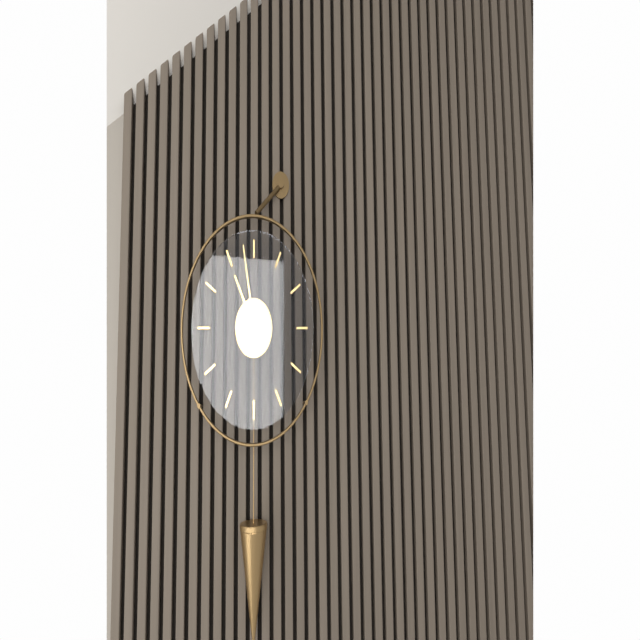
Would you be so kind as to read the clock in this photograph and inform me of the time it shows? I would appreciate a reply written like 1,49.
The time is 10,58
